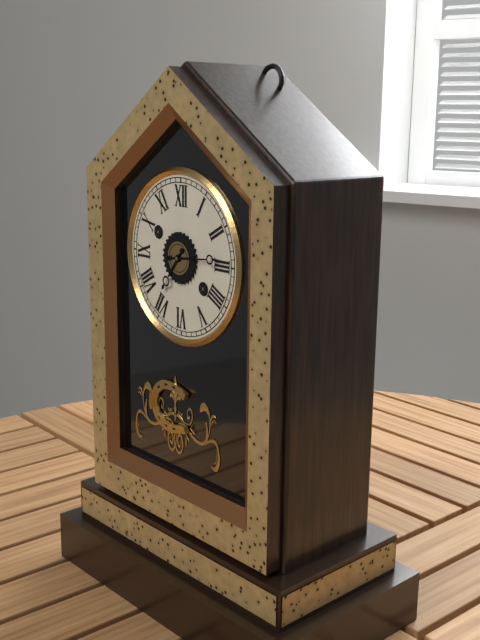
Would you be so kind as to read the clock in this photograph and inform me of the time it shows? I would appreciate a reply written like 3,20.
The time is 7,14
